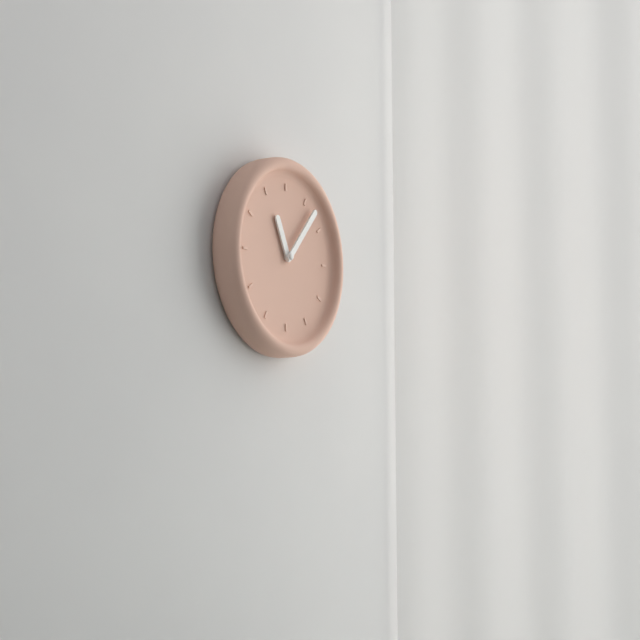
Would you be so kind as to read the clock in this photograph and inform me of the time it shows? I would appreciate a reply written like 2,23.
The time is 11,07
